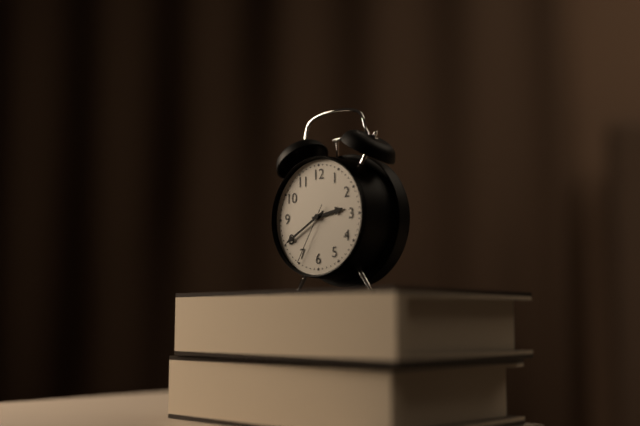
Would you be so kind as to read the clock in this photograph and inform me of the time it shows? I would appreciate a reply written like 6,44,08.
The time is 2,40,35
